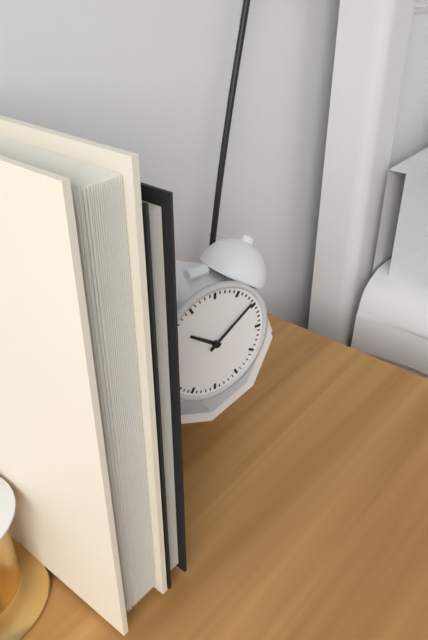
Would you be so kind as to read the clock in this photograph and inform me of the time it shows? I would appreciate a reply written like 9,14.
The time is 10,09
